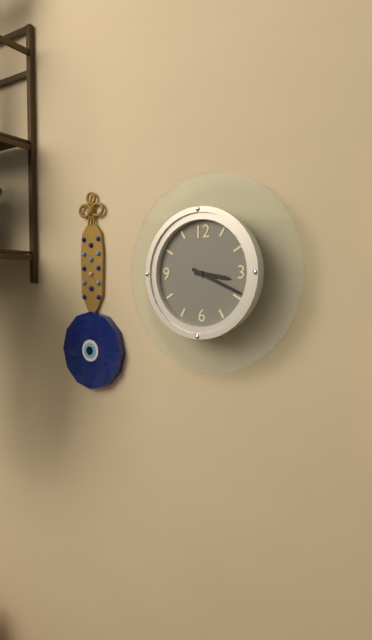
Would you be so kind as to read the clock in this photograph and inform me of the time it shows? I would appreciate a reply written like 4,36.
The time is 3,19
